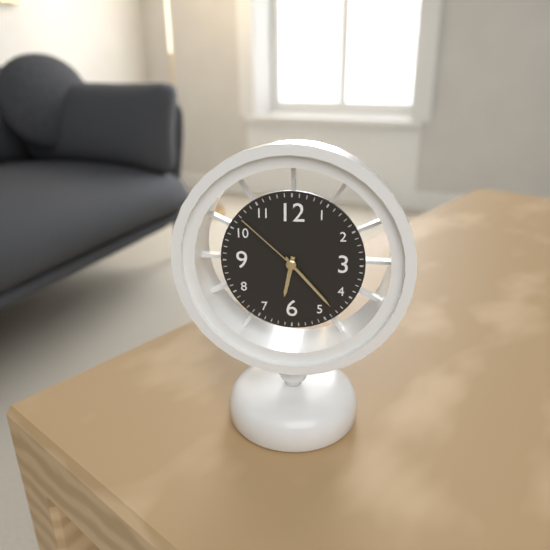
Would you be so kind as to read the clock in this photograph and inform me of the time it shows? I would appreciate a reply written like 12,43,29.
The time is 6,23,52
